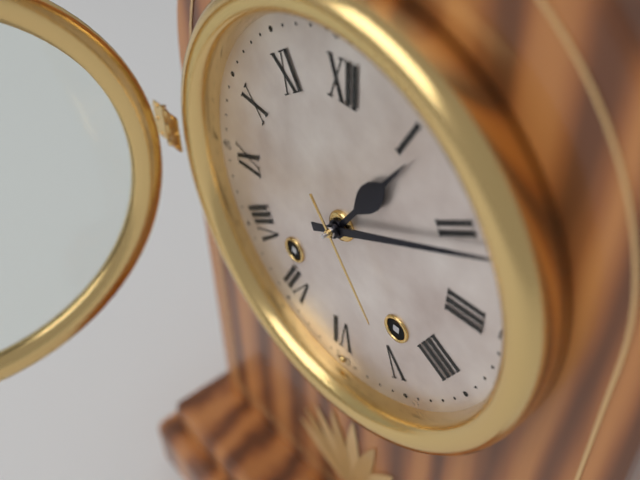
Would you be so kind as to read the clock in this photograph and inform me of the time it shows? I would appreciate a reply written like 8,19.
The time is 1,11
